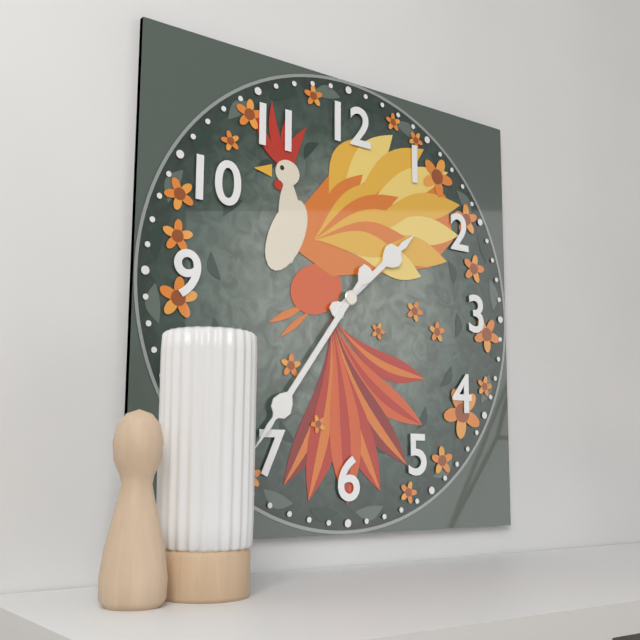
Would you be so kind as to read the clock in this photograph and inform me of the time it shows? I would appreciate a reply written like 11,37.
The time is 1,36
